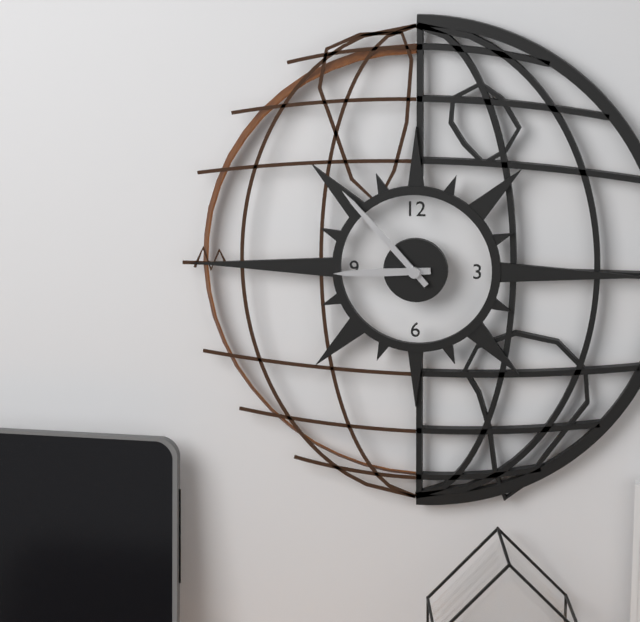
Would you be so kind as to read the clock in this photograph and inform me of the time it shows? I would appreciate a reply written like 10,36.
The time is 8,53
